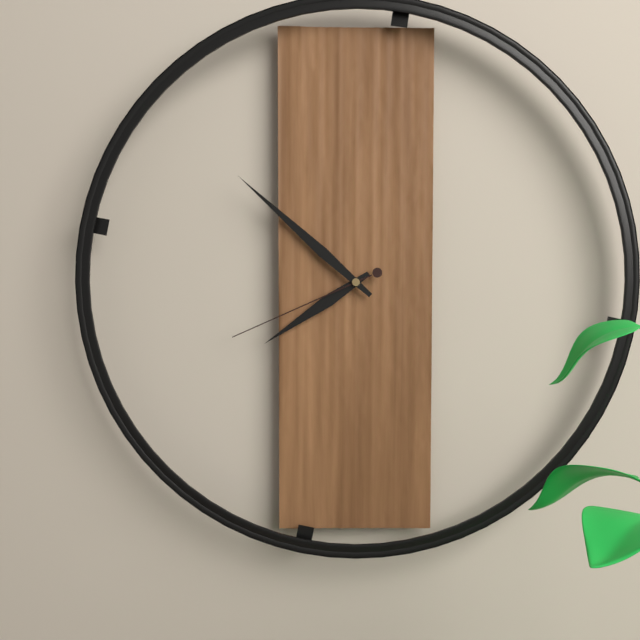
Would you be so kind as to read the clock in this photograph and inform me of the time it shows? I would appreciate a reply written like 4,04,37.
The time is 7,52,41
